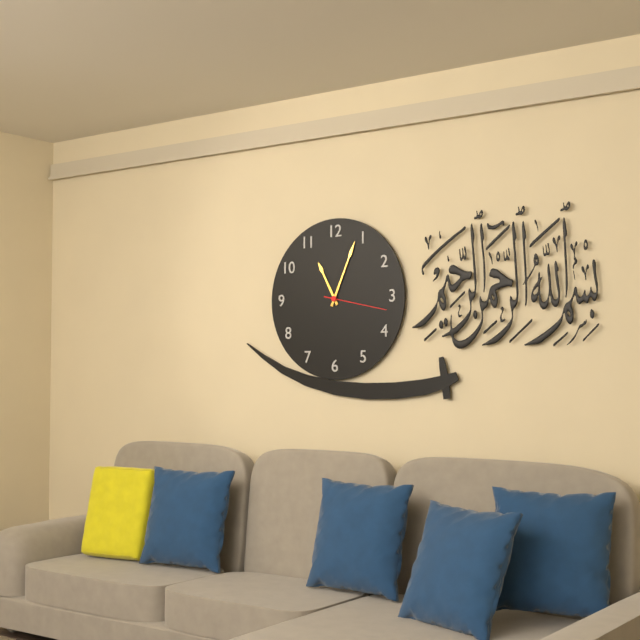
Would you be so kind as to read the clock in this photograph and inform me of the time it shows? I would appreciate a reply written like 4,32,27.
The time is 11,04,17
